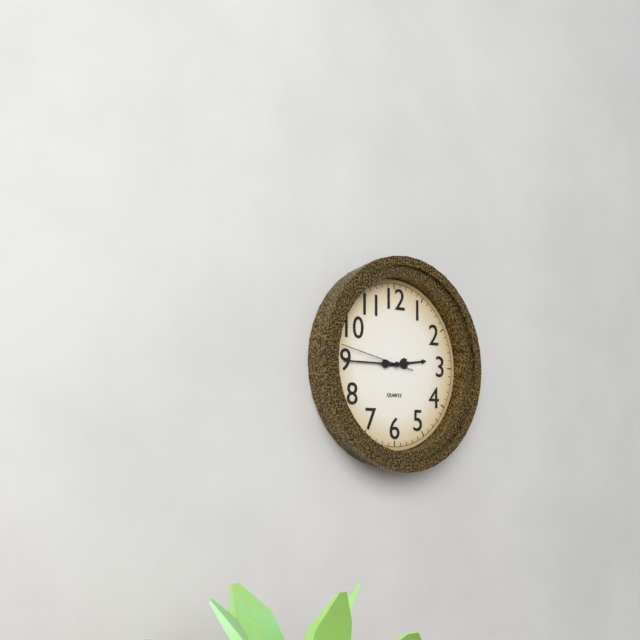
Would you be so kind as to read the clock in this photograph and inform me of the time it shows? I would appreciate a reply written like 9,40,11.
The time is 2,45,47
